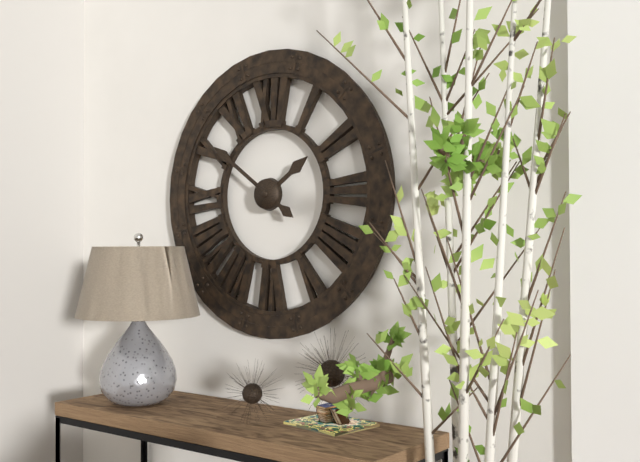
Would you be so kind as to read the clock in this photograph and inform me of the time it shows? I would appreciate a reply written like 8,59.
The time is 1,51
